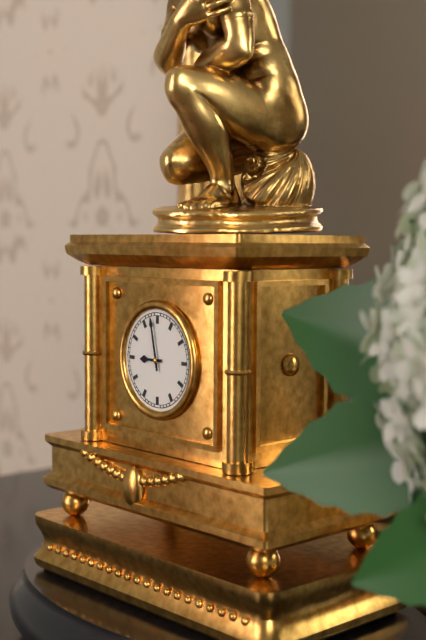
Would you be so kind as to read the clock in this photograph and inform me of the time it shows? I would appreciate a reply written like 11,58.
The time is 8,58
